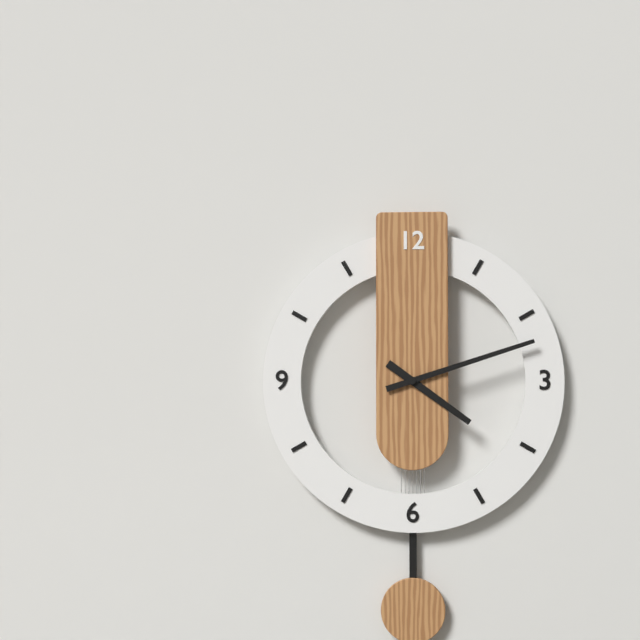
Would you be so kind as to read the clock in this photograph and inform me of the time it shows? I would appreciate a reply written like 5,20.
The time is 4,12
